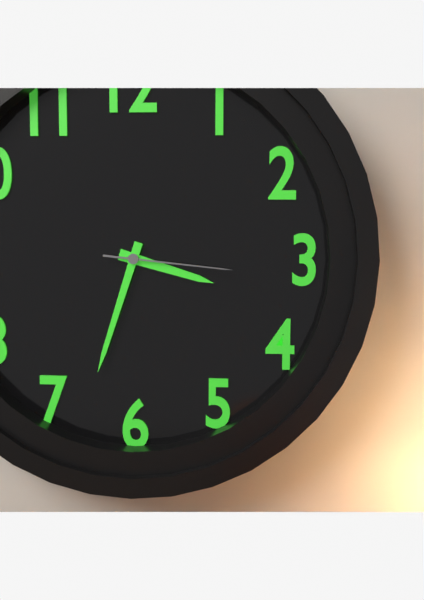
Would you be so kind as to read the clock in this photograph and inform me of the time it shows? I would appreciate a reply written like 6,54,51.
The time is 3,33,16
